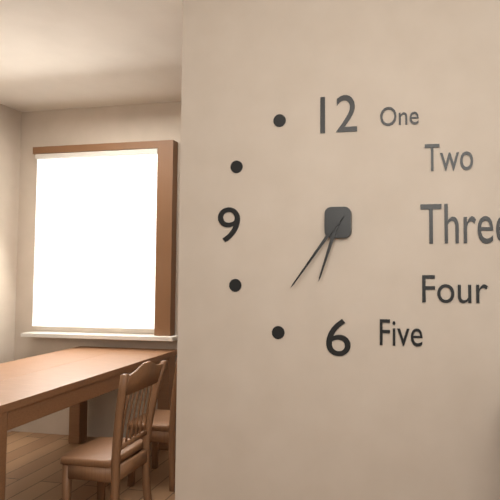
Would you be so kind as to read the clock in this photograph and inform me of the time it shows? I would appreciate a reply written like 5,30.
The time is 6,36
